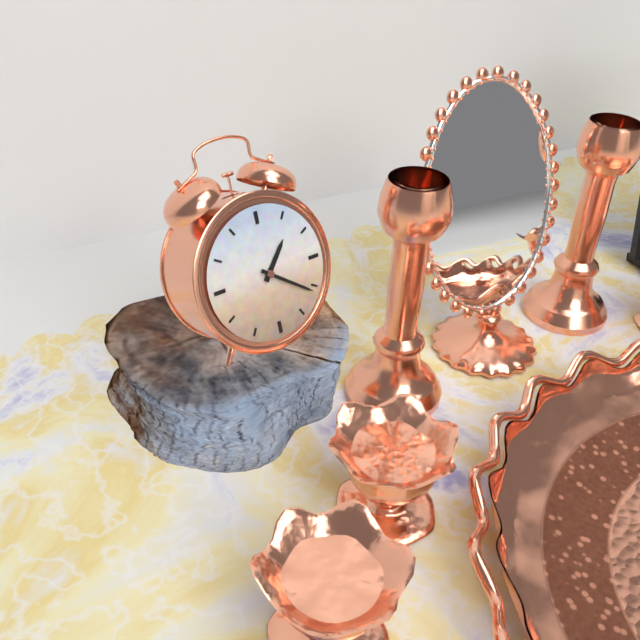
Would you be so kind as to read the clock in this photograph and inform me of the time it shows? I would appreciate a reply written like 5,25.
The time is 1,21
